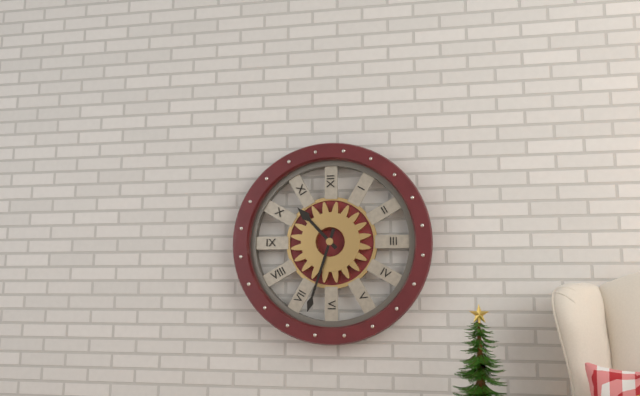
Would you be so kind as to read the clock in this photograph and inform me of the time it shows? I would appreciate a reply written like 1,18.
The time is 10,33
